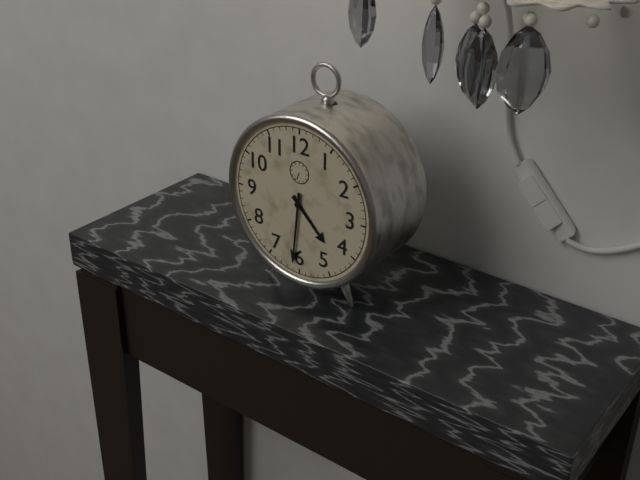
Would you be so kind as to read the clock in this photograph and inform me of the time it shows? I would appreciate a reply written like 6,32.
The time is 4,31
